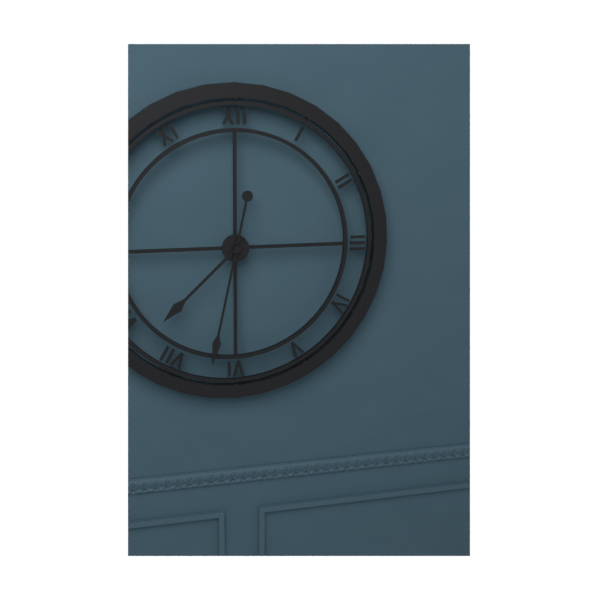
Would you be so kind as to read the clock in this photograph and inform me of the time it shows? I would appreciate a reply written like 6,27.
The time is 7,32
